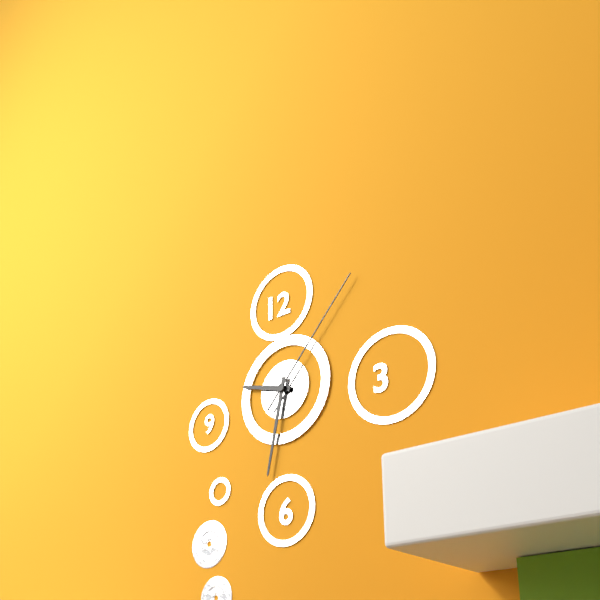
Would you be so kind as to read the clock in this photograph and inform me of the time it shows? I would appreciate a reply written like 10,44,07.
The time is 9,32,07
